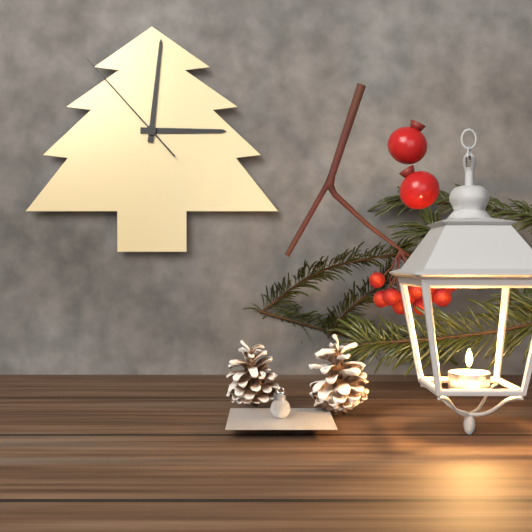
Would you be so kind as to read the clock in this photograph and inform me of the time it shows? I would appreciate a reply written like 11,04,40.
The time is 3,01,53
